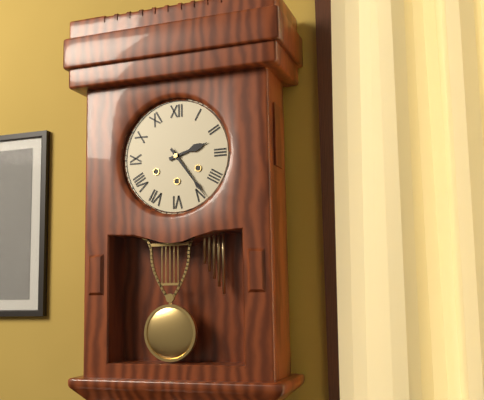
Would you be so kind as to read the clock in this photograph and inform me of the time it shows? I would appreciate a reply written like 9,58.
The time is 2,24
